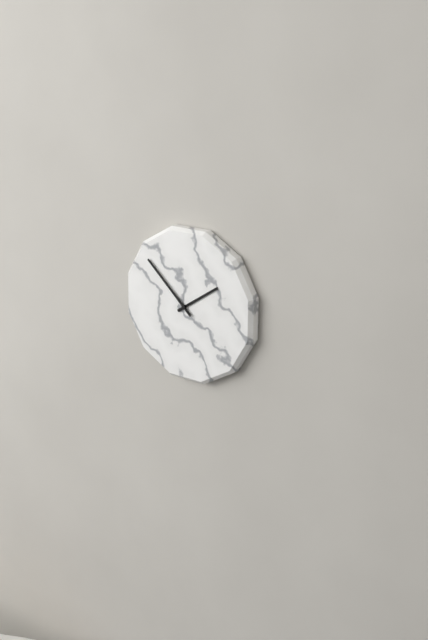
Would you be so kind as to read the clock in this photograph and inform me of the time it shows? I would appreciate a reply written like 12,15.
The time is 1,52
